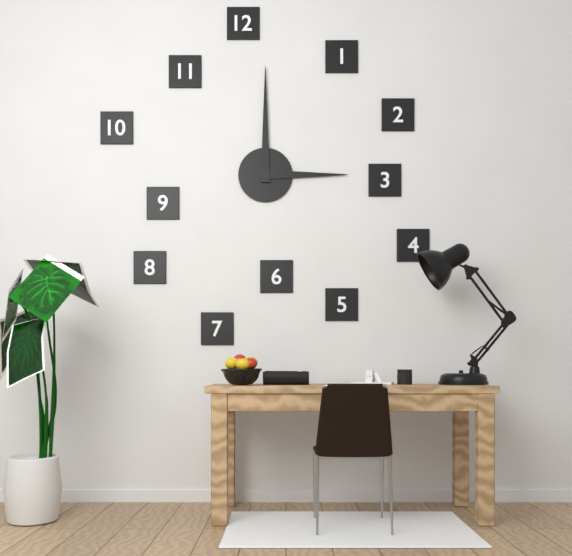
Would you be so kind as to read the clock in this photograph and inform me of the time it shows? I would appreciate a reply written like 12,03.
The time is 3,00
